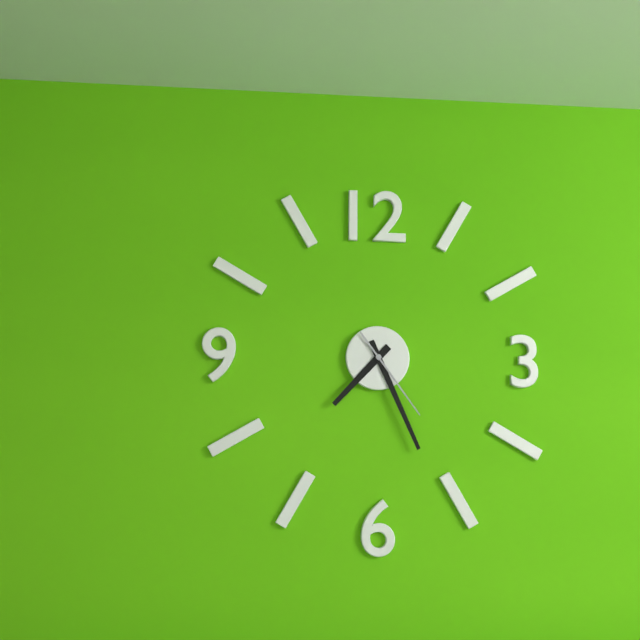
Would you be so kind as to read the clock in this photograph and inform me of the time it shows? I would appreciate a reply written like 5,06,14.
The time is 7,26,24
